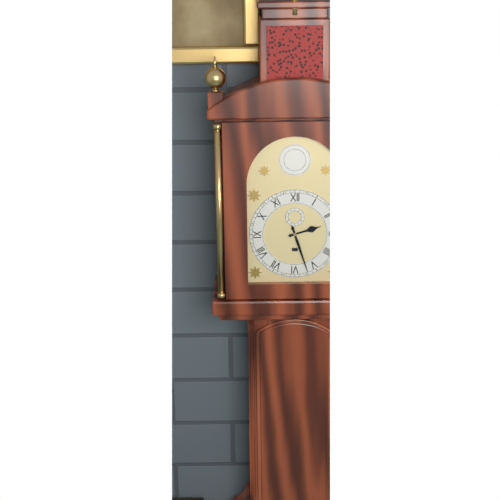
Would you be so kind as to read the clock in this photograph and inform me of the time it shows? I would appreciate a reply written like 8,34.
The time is 2,27
